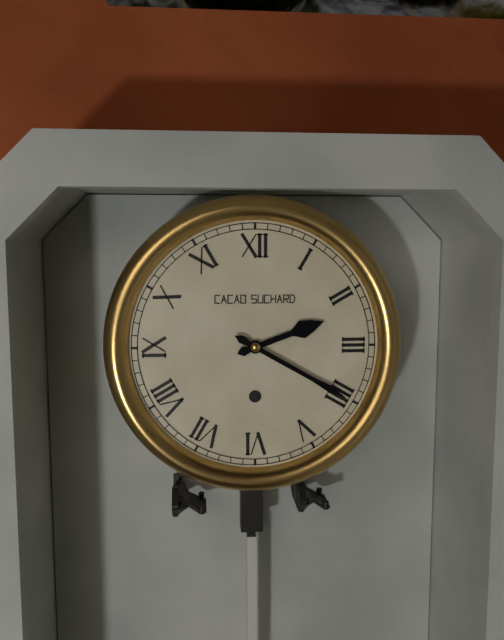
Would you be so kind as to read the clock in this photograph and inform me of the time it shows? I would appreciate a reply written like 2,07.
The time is 2,20
